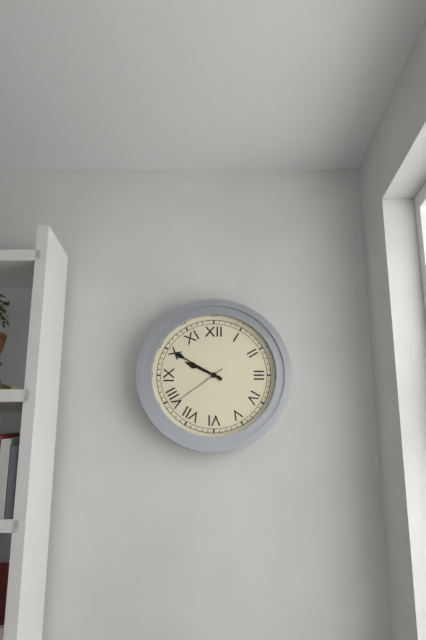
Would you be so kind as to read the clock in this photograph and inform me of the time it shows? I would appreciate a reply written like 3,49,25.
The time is 9,50,39
